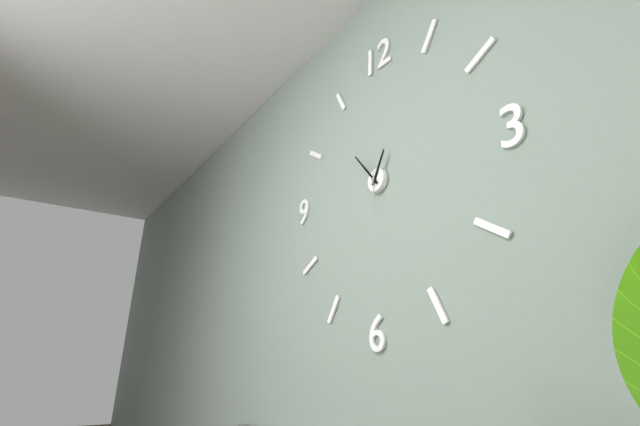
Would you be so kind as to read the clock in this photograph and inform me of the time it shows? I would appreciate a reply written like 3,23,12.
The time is 12,53,30
